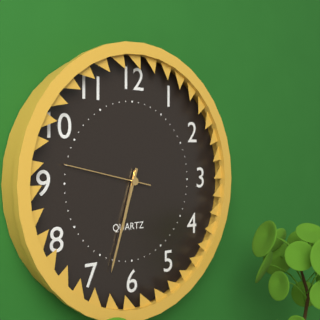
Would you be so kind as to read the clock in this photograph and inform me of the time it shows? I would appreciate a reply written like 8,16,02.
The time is 6,33,47
